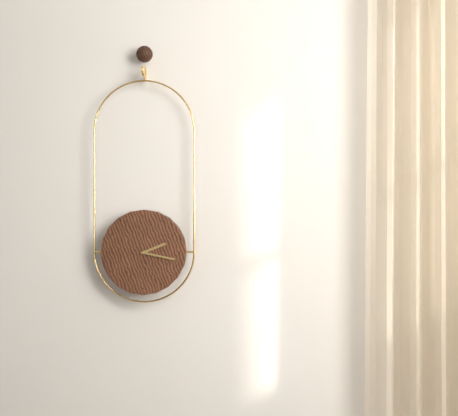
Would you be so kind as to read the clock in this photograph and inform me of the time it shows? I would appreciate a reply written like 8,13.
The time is 2,17
